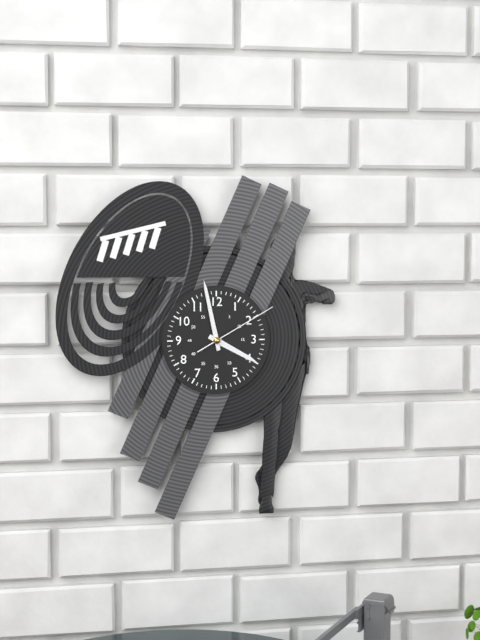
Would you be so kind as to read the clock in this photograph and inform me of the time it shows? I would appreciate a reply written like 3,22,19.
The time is 3,58,10
